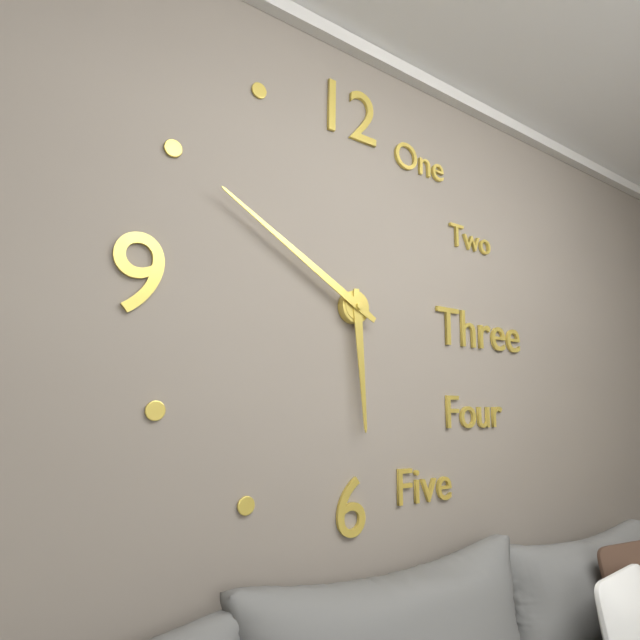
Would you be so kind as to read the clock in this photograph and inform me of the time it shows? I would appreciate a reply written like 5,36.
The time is 5,50
